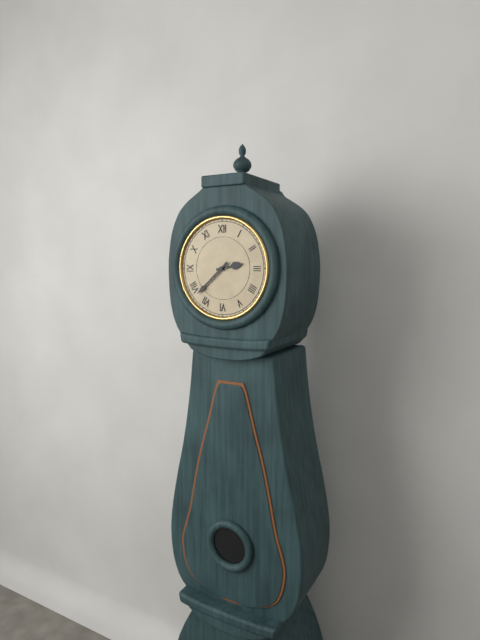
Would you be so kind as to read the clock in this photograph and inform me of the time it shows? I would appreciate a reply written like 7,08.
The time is 2,38
